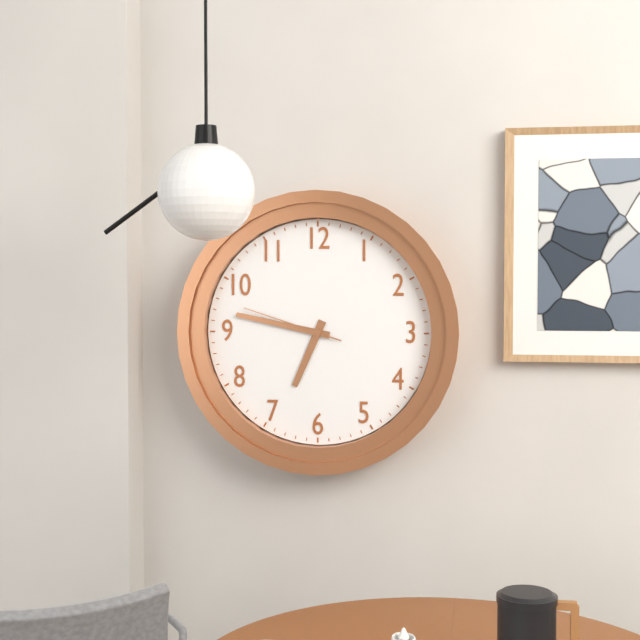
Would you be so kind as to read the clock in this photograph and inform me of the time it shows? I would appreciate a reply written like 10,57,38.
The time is 6,47,48
